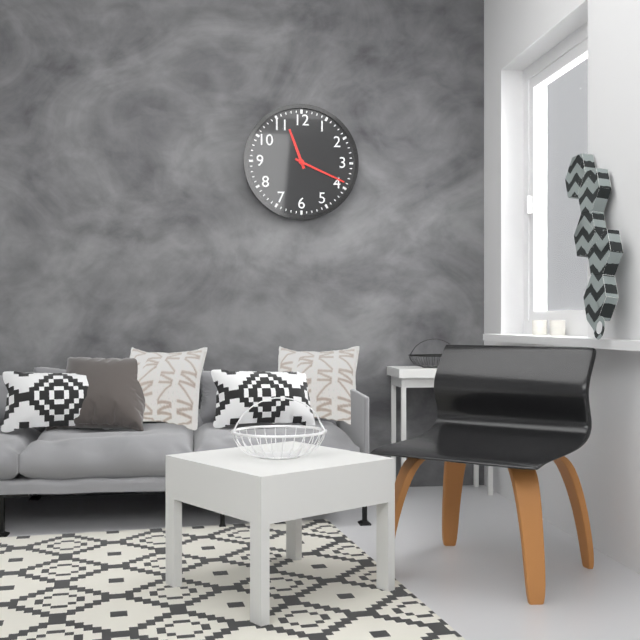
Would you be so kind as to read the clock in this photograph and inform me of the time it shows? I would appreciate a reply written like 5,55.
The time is 11,19
